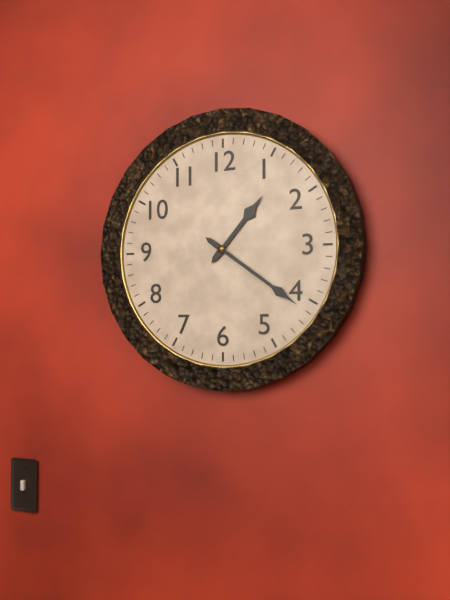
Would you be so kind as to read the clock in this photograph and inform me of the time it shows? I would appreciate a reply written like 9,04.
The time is 1,21
